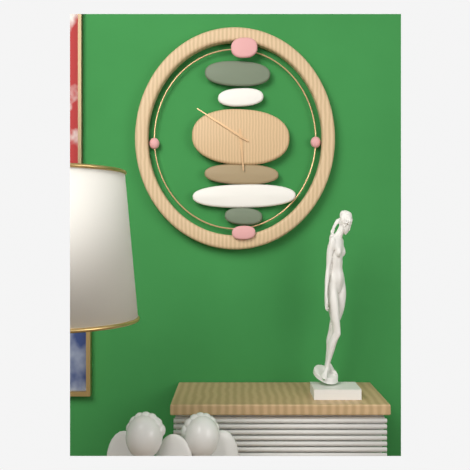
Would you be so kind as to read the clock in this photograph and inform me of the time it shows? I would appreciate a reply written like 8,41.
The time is 5,50
